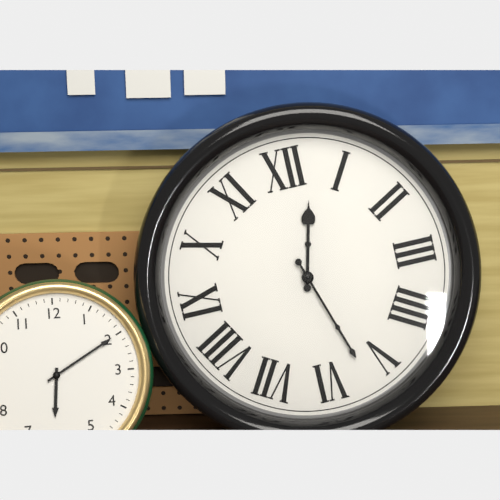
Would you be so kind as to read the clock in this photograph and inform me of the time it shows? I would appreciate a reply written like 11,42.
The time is 12,27
